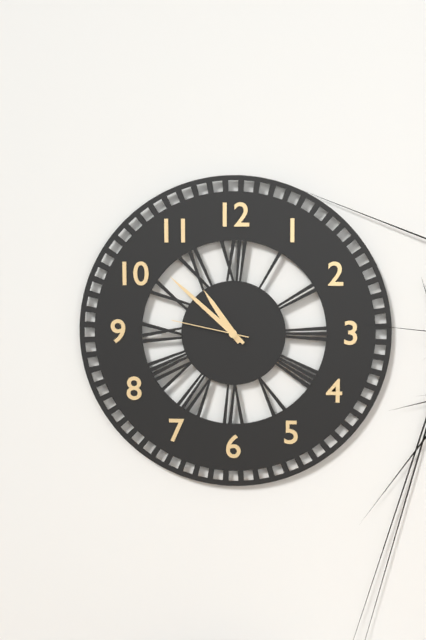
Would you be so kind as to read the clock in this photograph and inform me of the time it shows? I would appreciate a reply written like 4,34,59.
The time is 10,52,47
